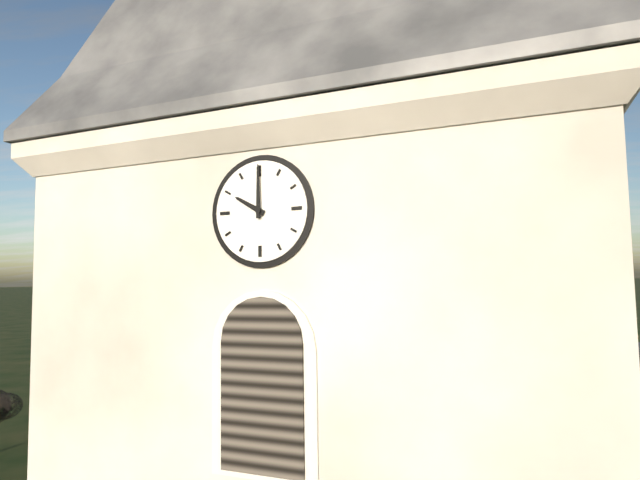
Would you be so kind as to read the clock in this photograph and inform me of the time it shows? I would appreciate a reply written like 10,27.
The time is 10,00
